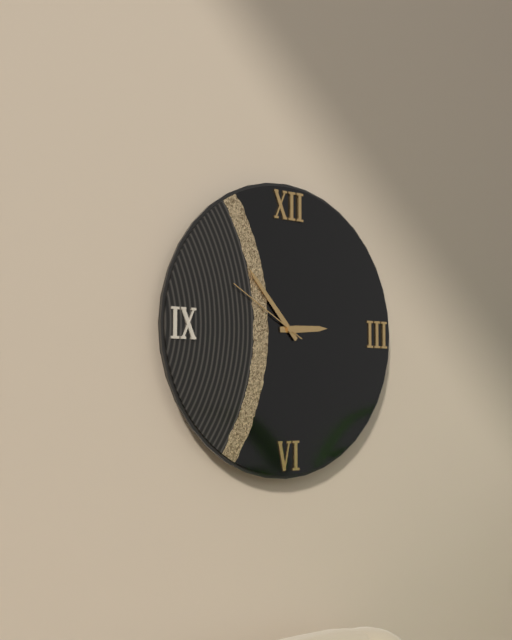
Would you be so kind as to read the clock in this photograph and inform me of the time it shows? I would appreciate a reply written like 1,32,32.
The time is 2,53,50
